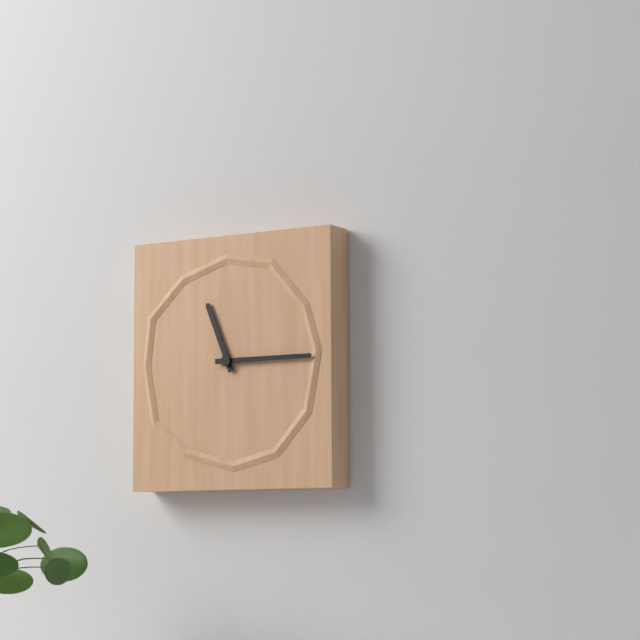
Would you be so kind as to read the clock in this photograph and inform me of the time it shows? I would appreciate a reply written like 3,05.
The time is 11,15
